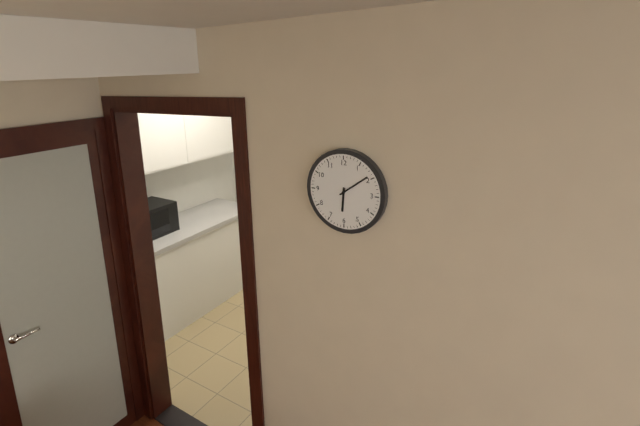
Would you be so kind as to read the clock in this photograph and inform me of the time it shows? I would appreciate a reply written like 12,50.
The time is 6,09
